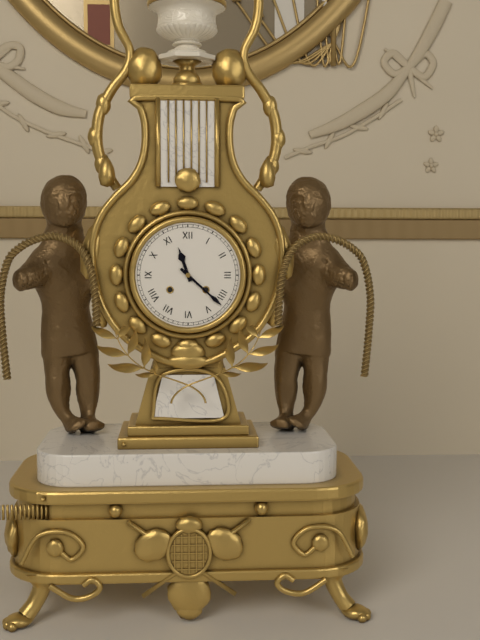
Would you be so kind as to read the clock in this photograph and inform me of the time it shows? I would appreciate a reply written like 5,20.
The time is 11,22
